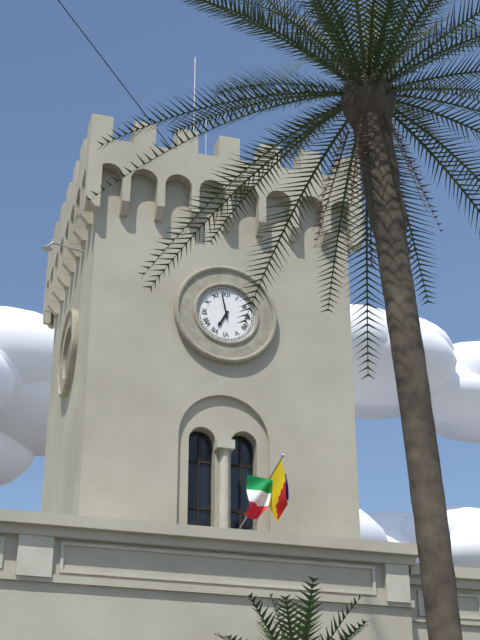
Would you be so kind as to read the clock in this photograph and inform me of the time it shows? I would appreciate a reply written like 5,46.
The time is 6,58
